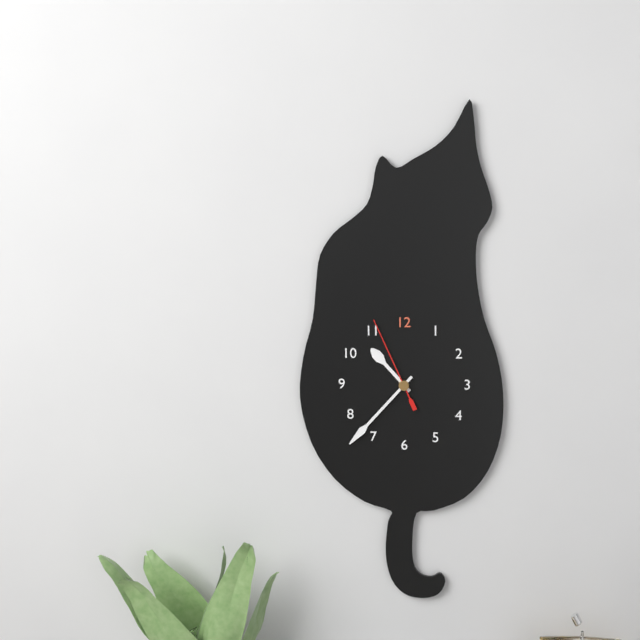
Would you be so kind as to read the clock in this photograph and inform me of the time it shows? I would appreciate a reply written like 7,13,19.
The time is 10,37,56
